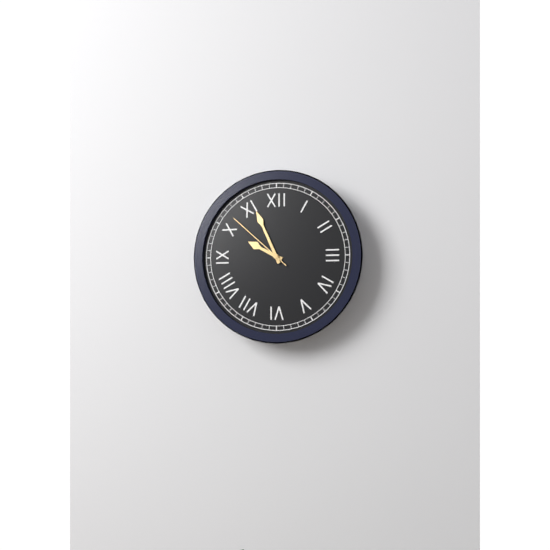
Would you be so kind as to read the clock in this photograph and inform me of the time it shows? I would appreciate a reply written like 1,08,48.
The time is 9,56,52
